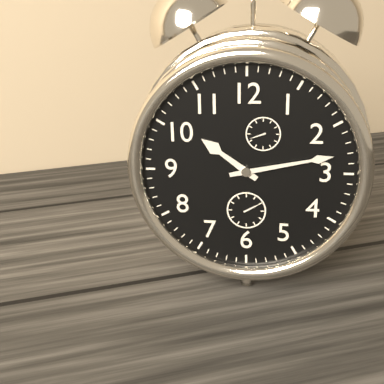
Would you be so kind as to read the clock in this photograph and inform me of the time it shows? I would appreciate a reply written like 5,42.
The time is 10,13
